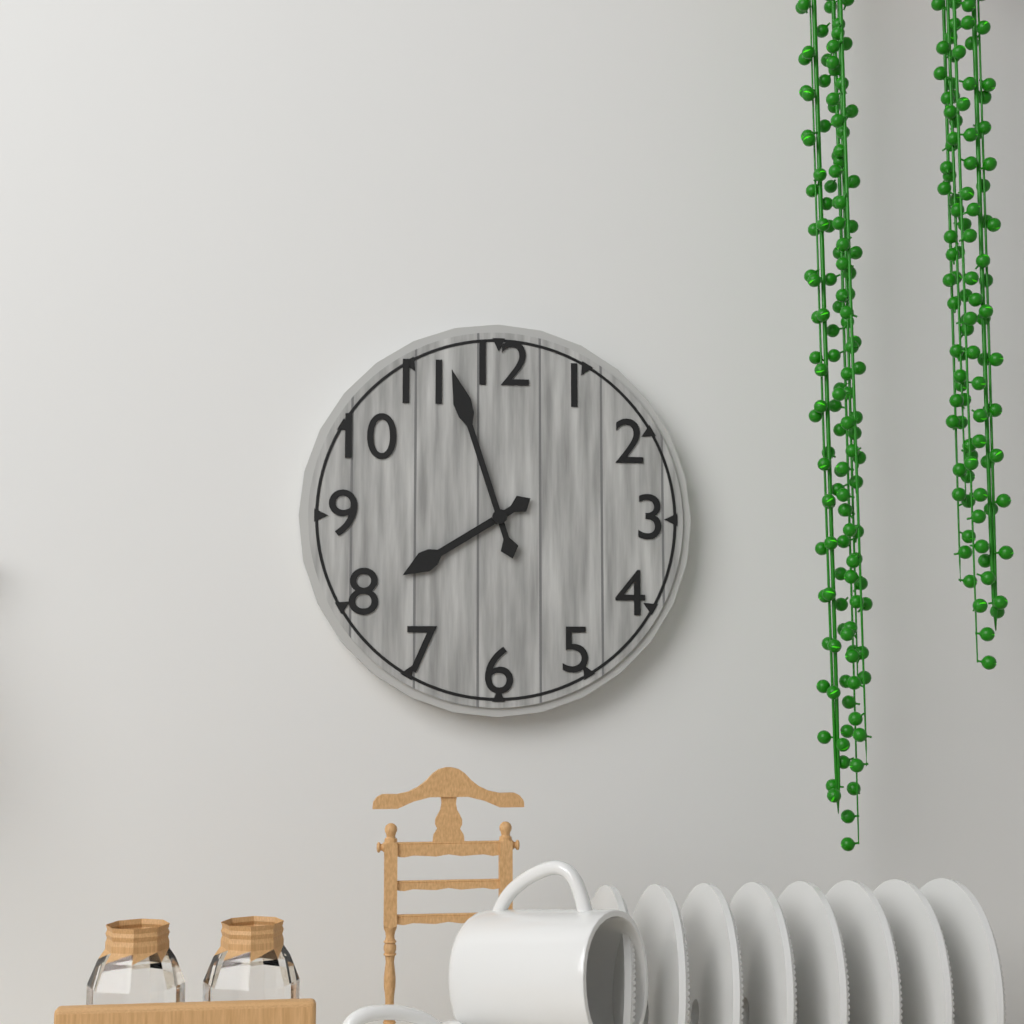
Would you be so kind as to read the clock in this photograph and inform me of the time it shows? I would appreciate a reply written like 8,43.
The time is 7,57
